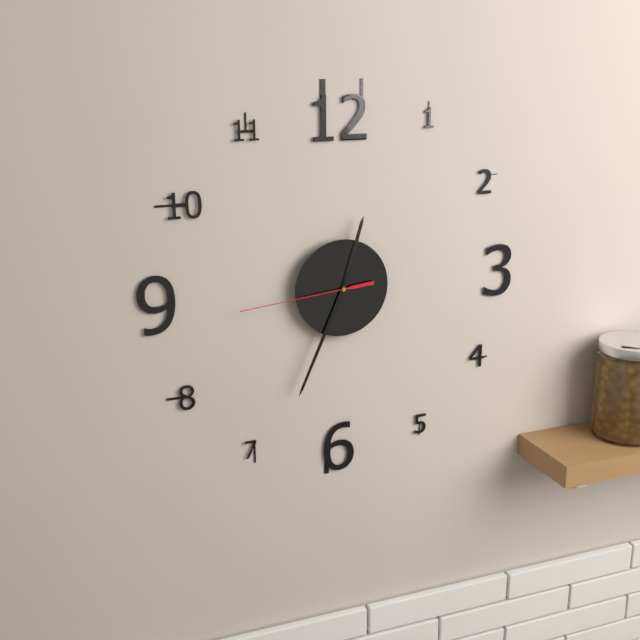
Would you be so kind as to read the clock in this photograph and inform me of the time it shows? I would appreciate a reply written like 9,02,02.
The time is 12,34,44
